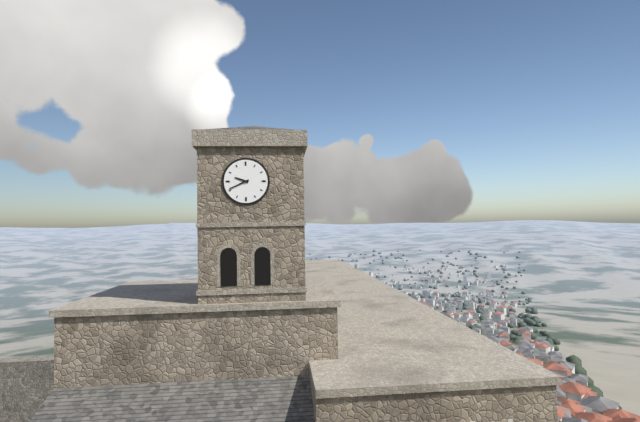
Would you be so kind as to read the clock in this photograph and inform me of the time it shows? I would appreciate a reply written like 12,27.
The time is 9,41
